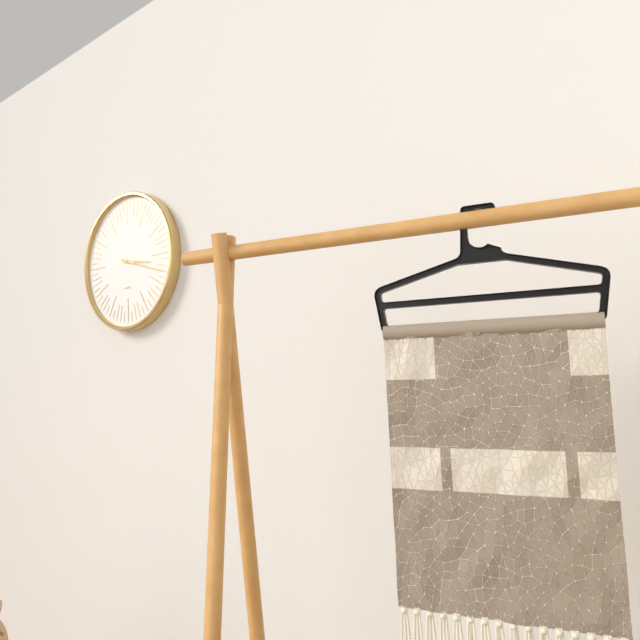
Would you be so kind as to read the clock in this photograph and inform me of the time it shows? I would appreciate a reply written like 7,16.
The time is 3,18
